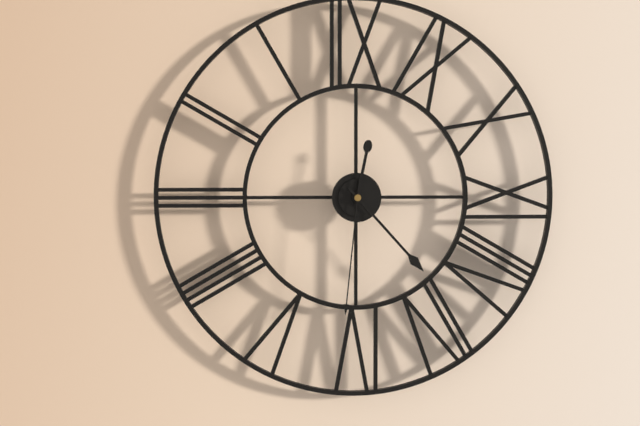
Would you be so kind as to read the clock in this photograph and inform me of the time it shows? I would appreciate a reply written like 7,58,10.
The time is 12,23,31
